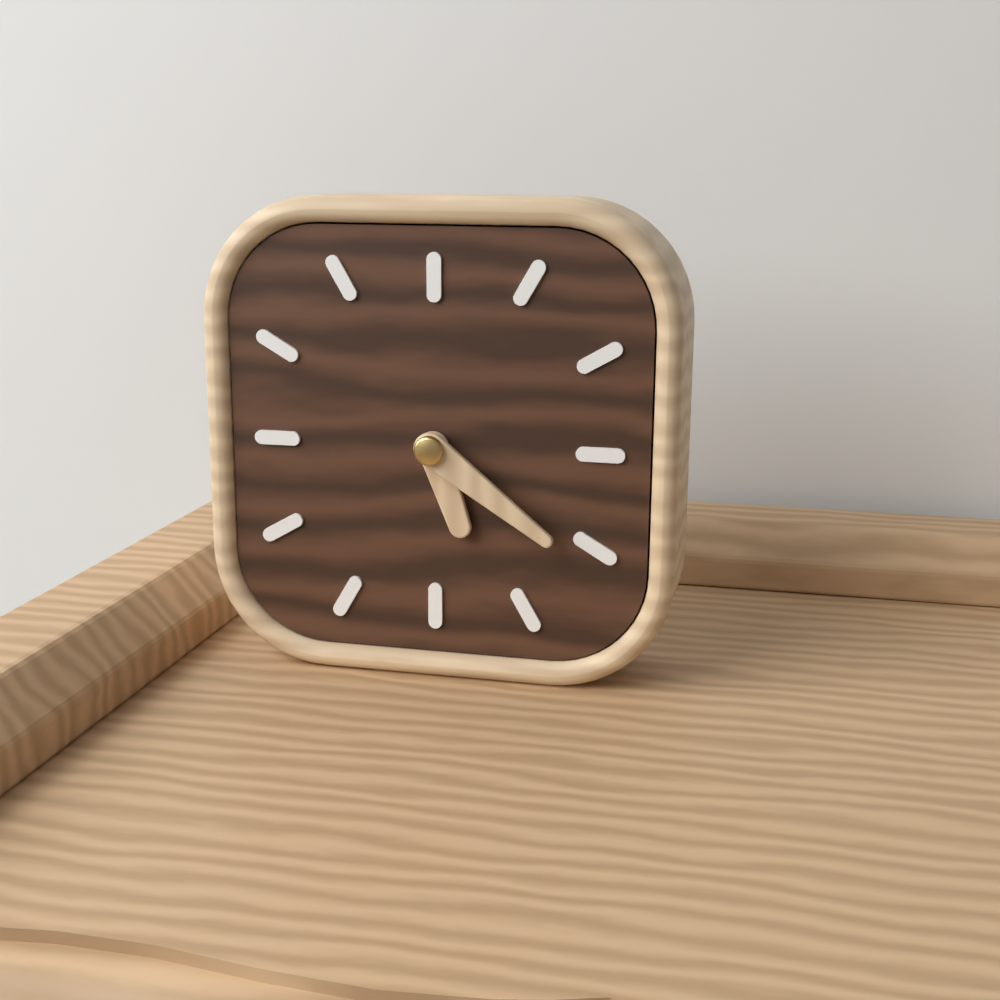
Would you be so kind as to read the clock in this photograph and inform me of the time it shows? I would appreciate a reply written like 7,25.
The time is 5,21
